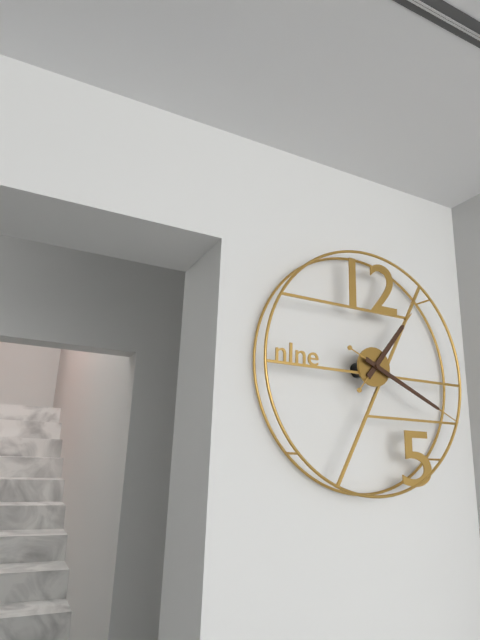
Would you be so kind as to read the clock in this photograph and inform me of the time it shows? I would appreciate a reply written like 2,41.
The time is 1,19
